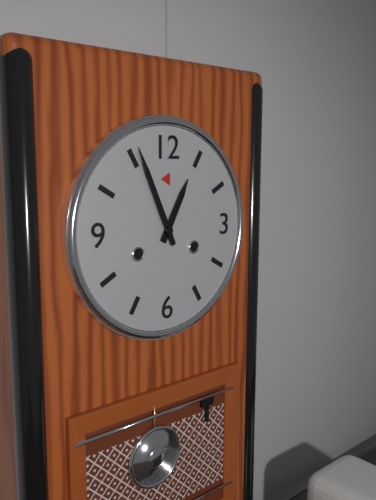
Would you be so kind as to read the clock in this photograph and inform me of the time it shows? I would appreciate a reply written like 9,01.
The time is 12,56
